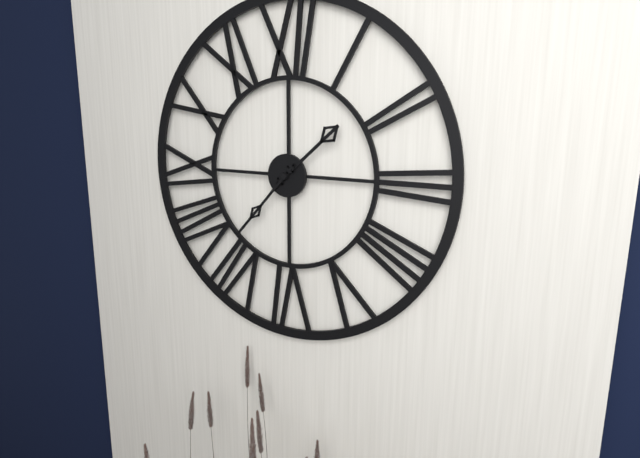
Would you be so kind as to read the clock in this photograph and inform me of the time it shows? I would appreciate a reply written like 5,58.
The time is 1,37
